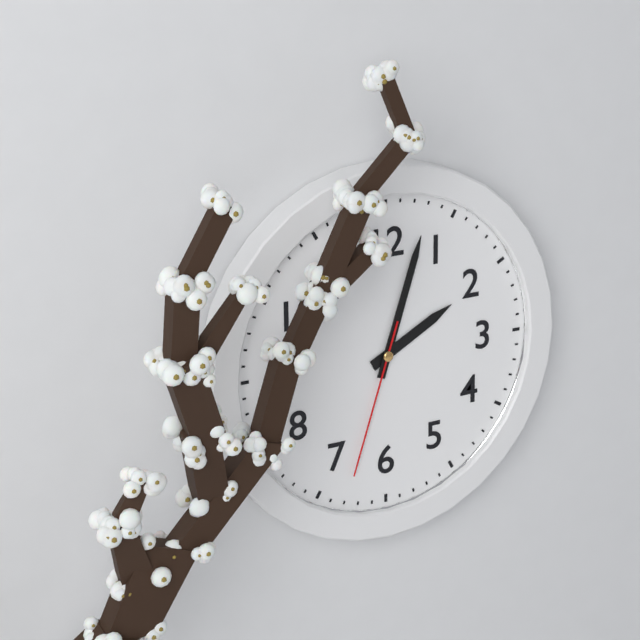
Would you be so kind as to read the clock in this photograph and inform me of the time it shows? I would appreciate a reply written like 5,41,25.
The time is 2,03,33
